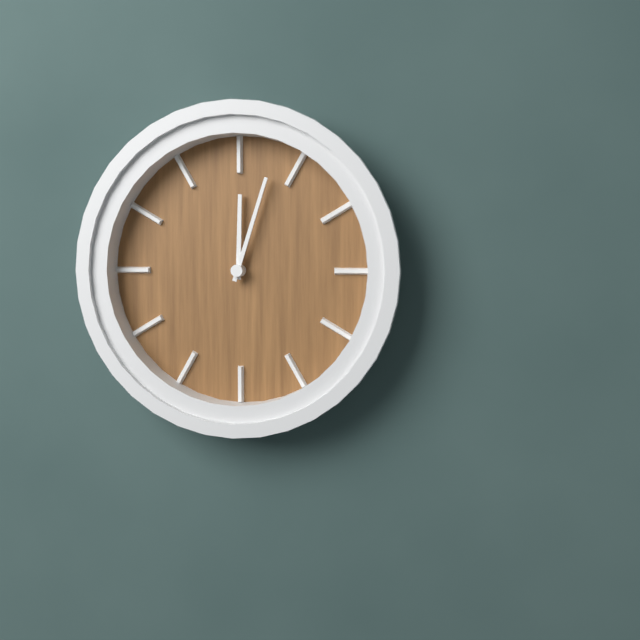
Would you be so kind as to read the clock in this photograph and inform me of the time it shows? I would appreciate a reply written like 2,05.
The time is 12,03
